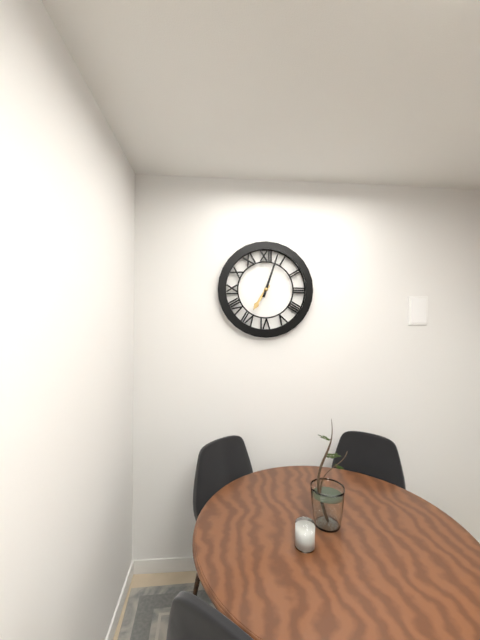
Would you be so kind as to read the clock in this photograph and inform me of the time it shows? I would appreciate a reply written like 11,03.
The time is 7,03
